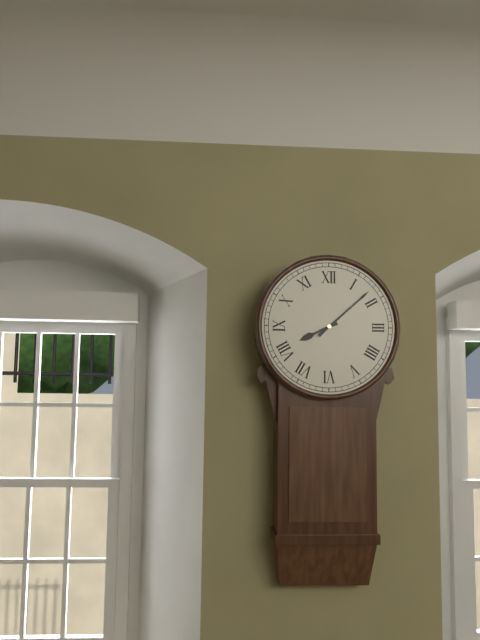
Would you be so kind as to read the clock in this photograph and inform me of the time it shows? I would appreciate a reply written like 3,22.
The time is 8,08
